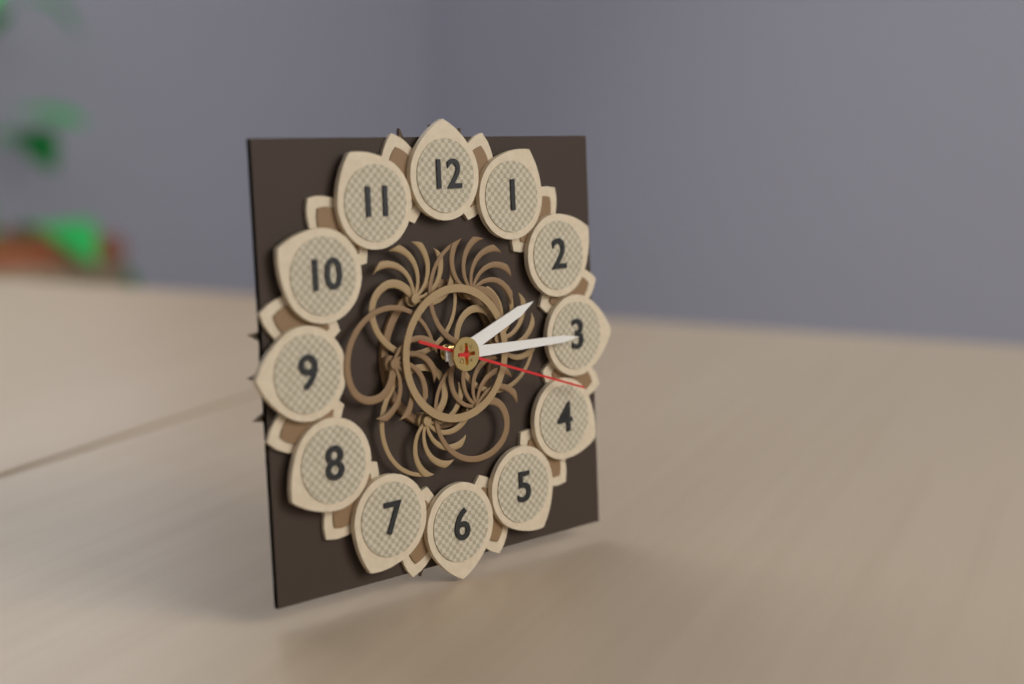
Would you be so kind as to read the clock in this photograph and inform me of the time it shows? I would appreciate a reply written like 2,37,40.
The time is 2,15,18
